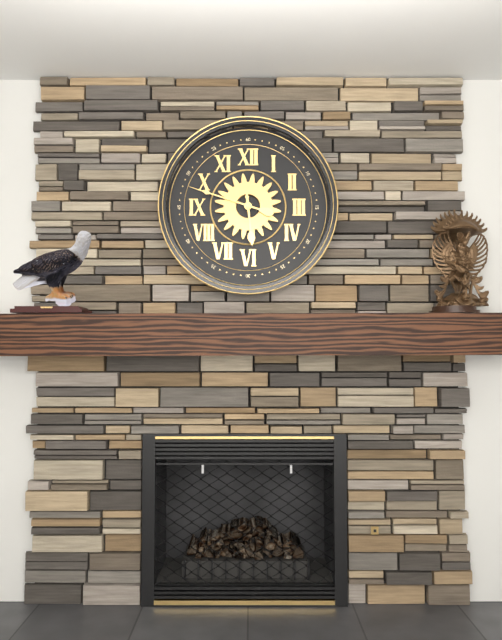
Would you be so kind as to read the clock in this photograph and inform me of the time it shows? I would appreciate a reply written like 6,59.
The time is 5,48
